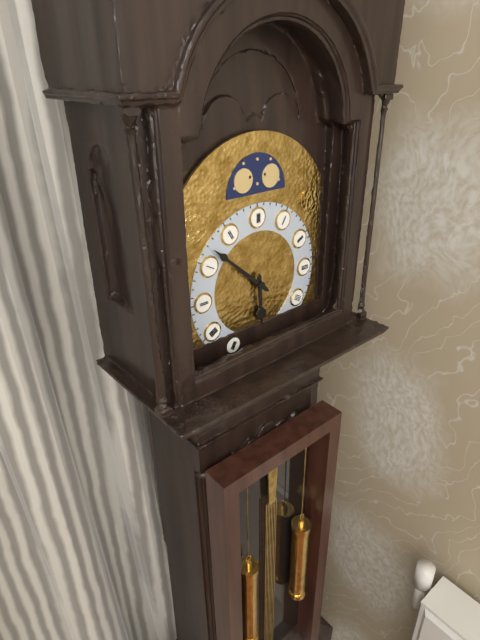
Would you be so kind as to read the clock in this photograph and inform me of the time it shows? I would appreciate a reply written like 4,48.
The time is 5,52
